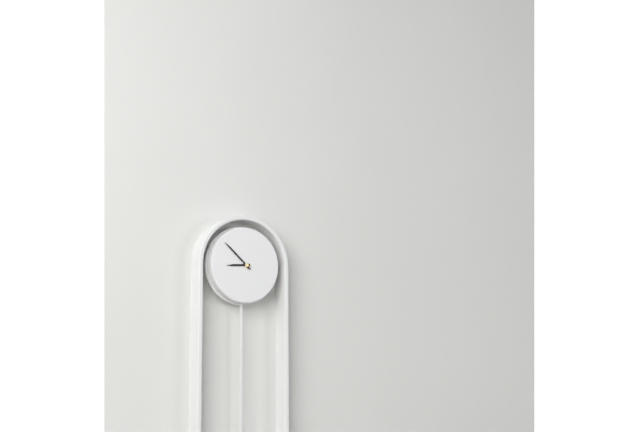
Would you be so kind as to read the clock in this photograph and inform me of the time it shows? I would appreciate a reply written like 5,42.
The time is 8,52
